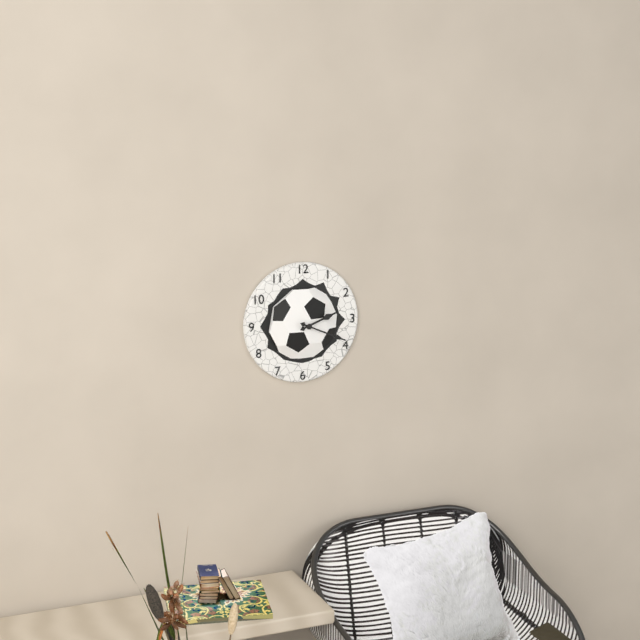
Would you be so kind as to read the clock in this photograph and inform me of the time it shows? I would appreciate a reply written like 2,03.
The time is 2,19
